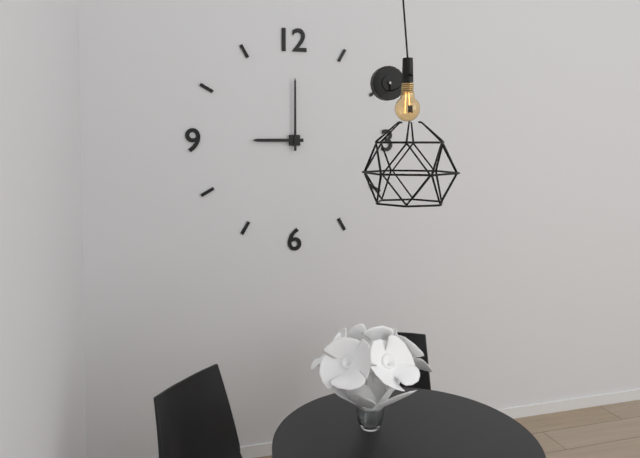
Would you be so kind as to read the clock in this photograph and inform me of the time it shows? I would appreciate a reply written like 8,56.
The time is 9,00
